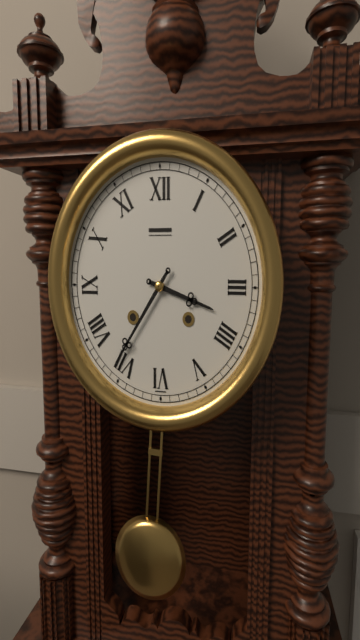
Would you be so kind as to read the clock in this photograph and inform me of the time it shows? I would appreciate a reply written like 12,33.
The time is 3,36
